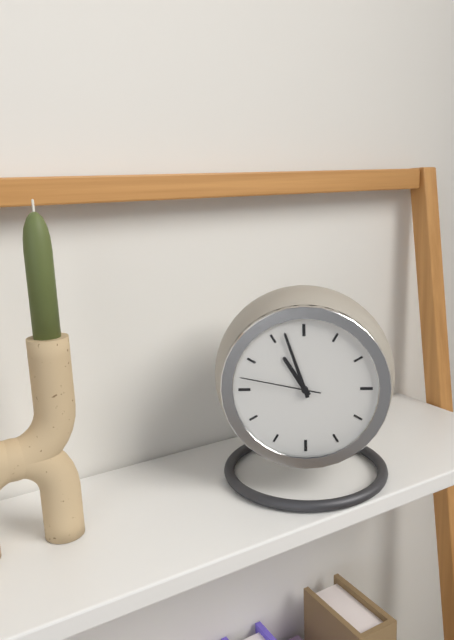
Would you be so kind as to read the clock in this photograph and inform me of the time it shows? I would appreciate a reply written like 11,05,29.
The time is 10,57,47
